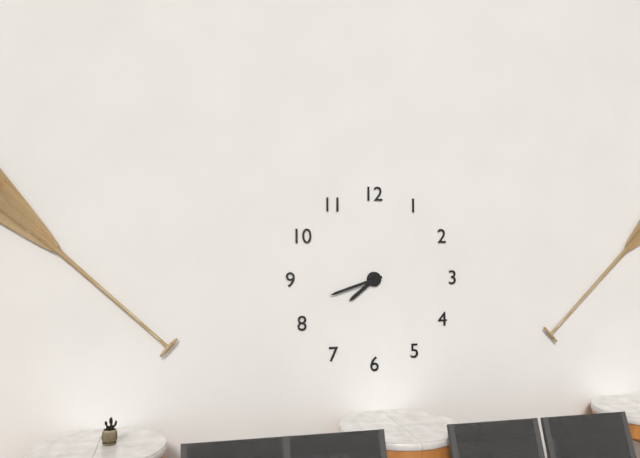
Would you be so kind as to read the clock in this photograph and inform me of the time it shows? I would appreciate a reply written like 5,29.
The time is 7,42
